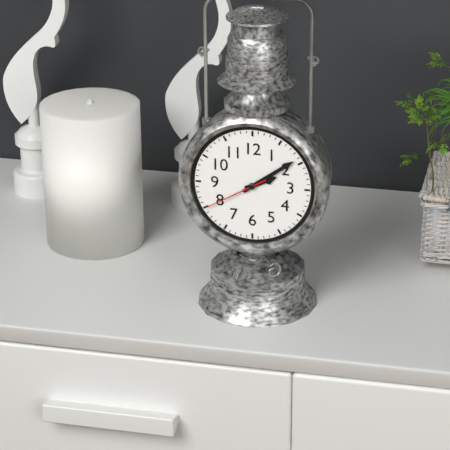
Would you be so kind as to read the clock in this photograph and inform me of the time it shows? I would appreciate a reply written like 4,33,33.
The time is 2,09,40
